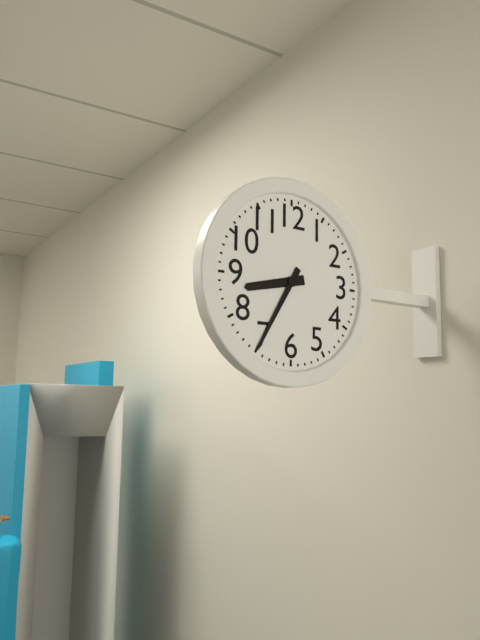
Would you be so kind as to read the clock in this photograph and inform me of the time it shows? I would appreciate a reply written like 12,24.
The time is 8,35
